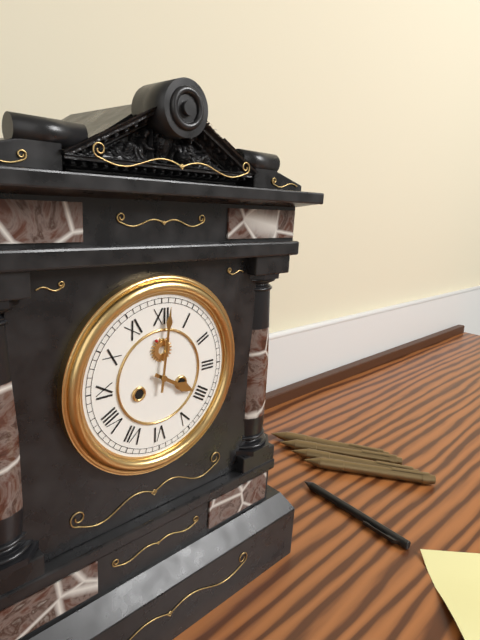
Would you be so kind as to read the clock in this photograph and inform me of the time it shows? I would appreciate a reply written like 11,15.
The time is 4,01
